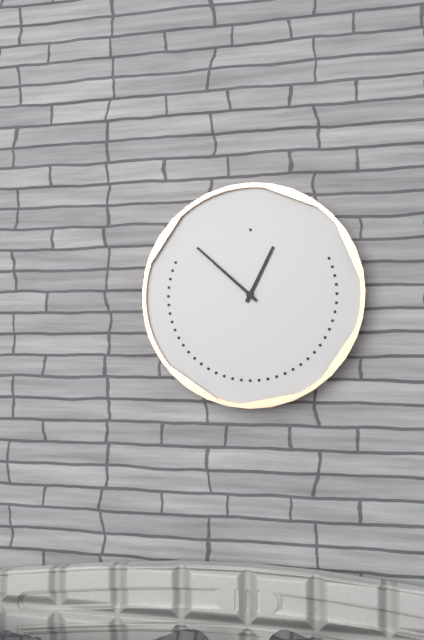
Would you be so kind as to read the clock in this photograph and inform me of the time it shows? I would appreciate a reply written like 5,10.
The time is 12,52
